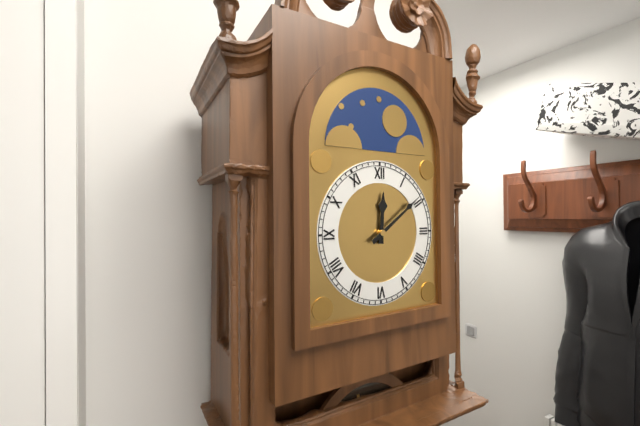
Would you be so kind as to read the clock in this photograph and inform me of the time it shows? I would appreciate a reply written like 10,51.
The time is 12,09
